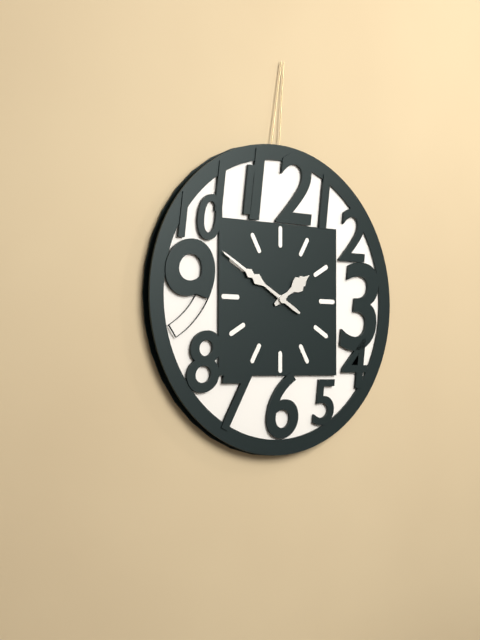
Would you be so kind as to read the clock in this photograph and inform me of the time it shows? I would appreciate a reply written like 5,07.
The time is 1,50
